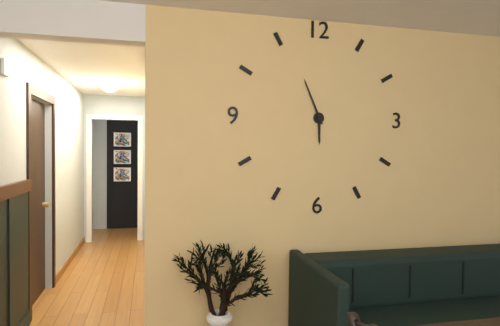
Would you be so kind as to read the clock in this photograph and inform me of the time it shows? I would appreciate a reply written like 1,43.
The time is 5,56
